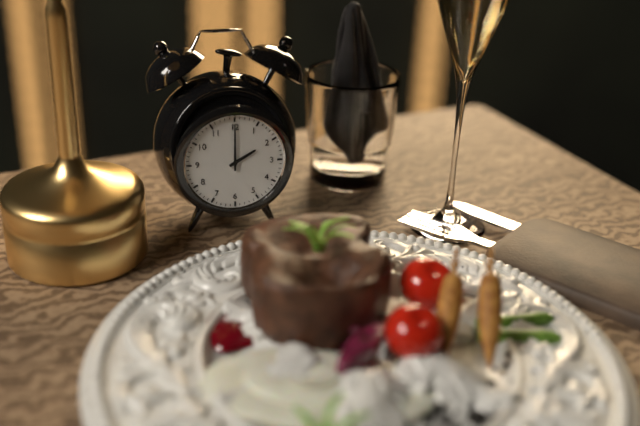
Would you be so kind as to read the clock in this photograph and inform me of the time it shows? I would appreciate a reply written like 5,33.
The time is 2,00
